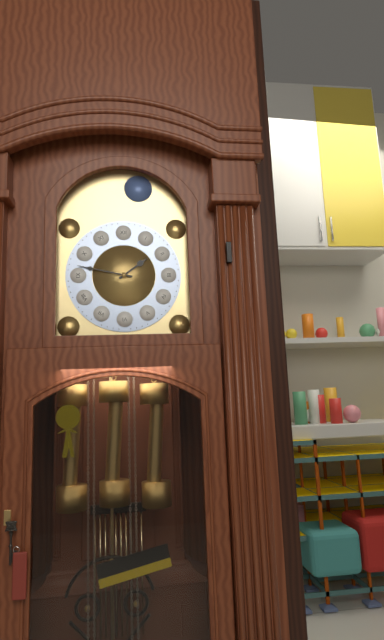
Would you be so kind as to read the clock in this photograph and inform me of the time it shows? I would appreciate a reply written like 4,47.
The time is 1,47
